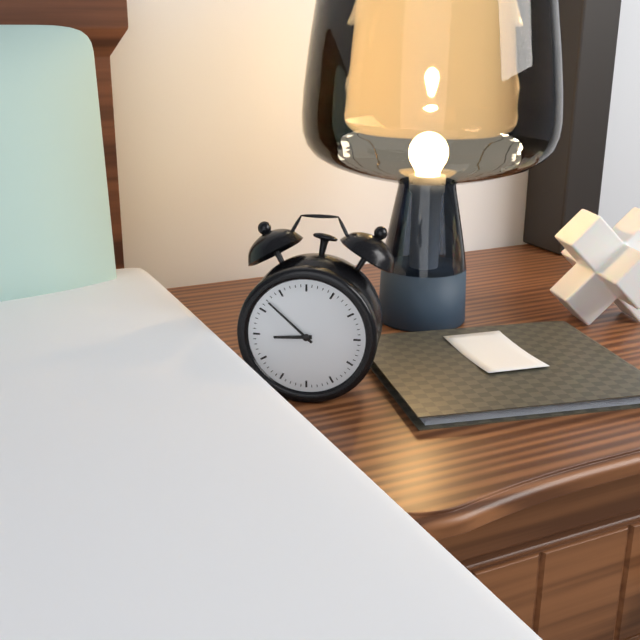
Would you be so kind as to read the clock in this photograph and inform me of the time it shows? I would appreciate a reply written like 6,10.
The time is 8,52
